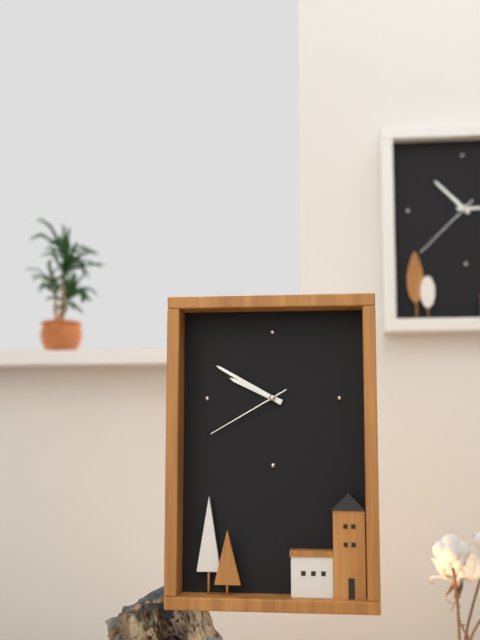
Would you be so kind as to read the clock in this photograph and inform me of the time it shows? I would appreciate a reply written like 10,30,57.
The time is 9,50,40
